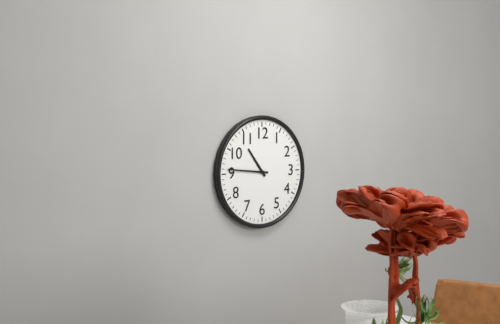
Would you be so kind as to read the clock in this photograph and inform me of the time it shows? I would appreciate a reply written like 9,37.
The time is 10,46
